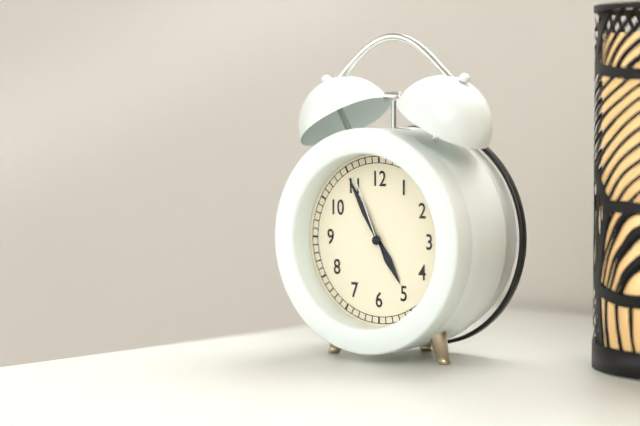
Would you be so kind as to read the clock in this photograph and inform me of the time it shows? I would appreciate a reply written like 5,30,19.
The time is 4,55,56
